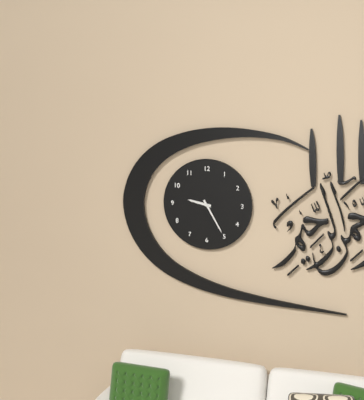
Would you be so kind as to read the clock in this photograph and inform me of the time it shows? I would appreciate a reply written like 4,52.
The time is 9,25
